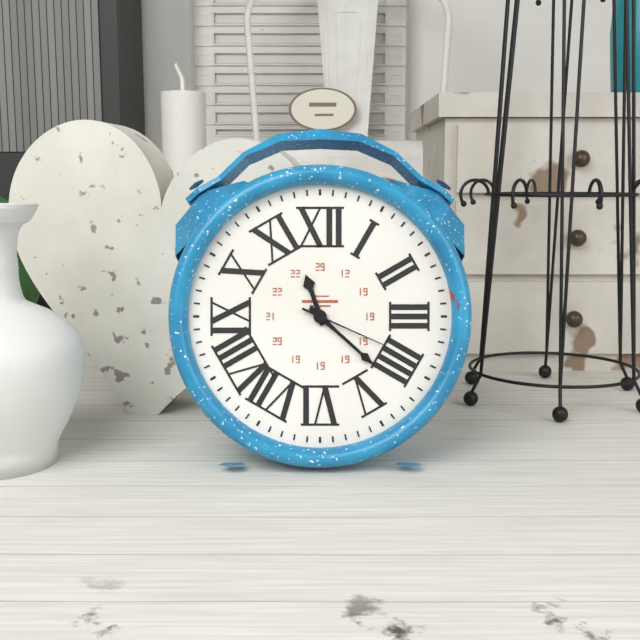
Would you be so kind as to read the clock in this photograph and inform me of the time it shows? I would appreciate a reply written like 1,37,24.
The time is 11,22,19
